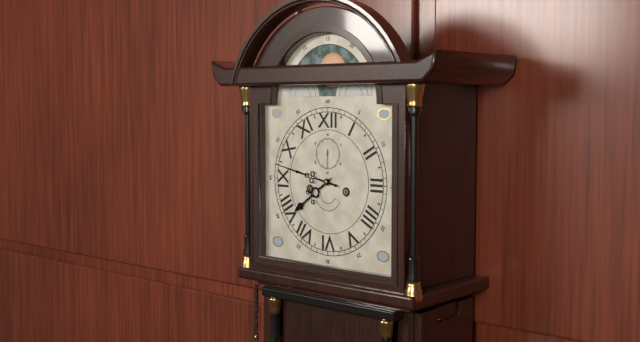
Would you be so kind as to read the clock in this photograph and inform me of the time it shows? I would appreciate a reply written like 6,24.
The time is 7,47
